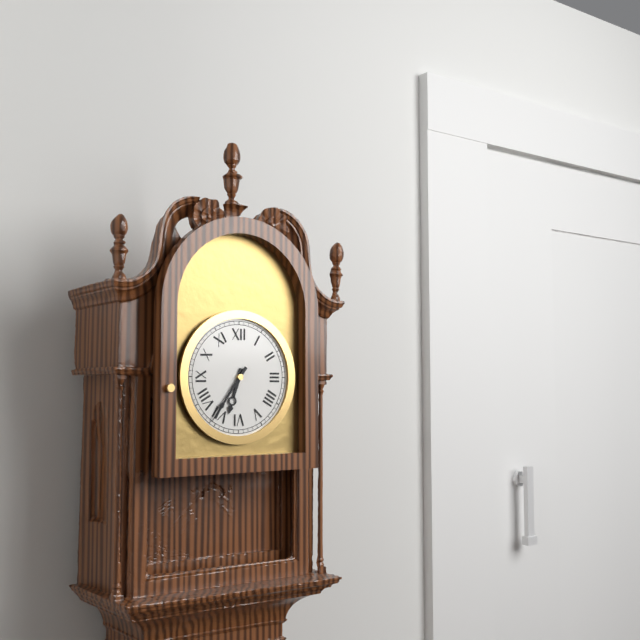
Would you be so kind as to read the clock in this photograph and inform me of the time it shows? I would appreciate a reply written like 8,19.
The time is 6,36
